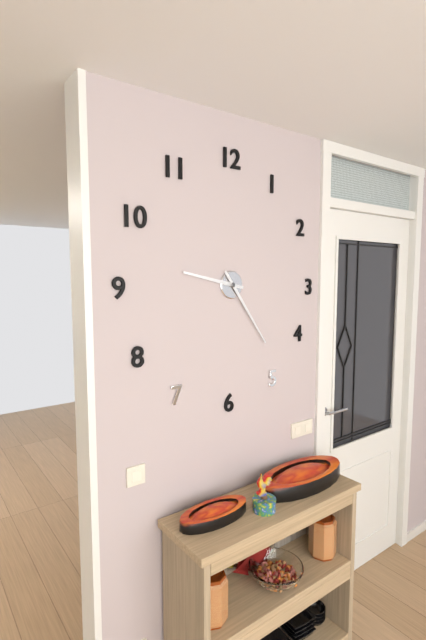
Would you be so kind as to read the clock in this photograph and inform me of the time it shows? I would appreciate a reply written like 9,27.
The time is 9,24
